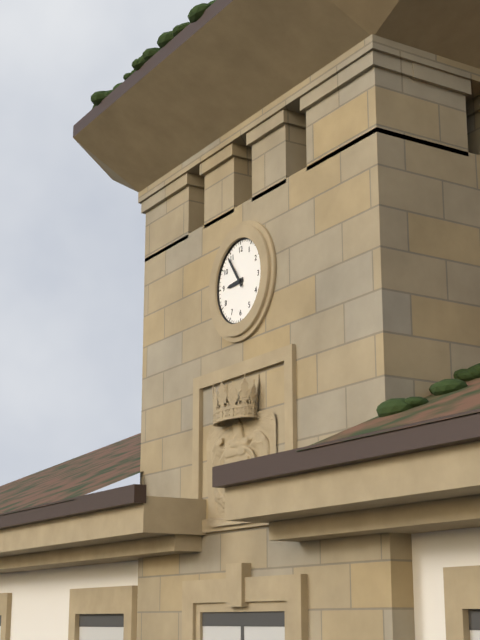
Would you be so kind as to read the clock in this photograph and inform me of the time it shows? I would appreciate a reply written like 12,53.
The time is 8,54
